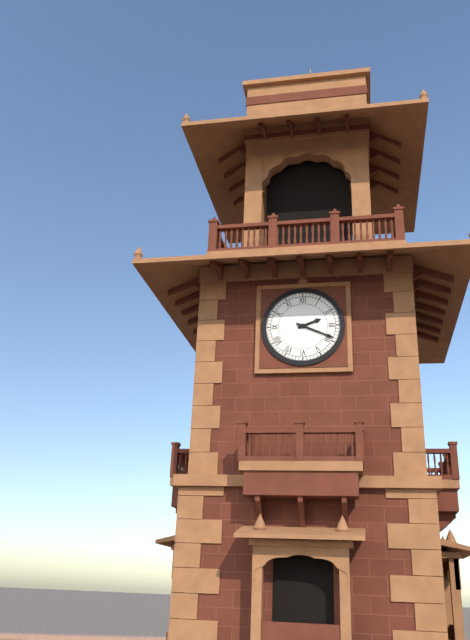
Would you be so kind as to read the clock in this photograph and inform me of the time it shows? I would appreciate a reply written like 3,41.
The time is 2,19
